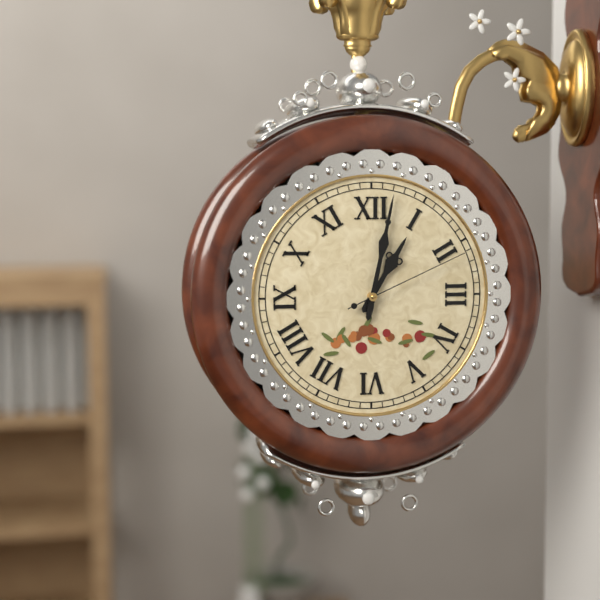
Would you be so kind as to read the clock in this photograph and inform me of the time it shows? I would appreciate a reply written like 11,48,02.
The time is 1,02,11
